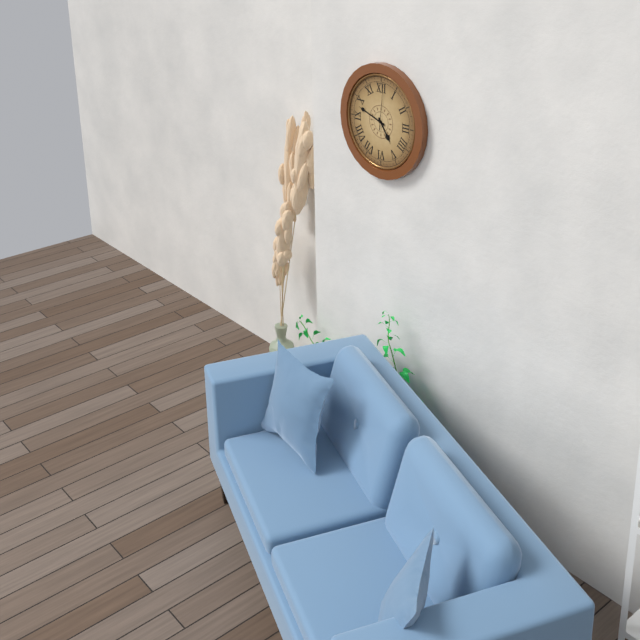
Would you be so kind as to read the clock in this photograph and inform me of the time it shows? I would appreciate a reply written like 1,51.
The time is 4,48
